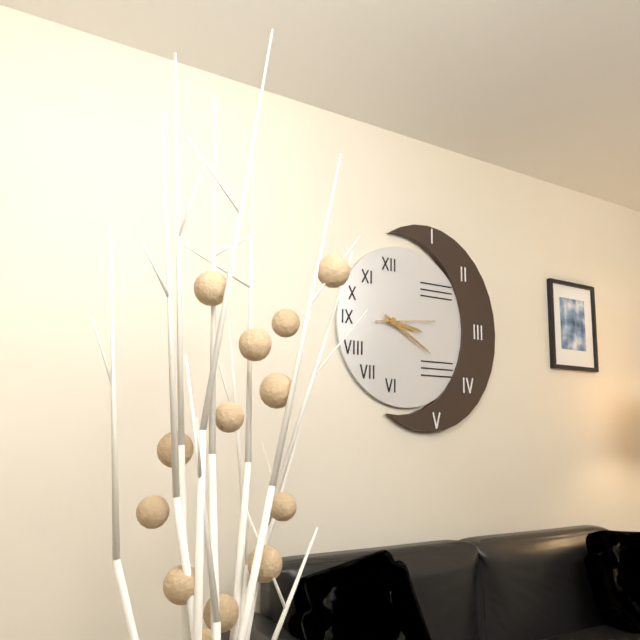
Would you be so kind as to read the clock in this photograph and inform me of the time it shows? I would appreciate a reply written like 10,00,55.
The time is 3,20,14
